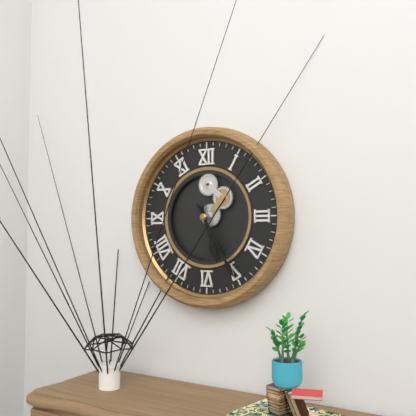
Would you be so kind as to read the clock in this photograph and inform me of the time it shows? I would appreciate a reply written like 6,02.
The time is 5,25
